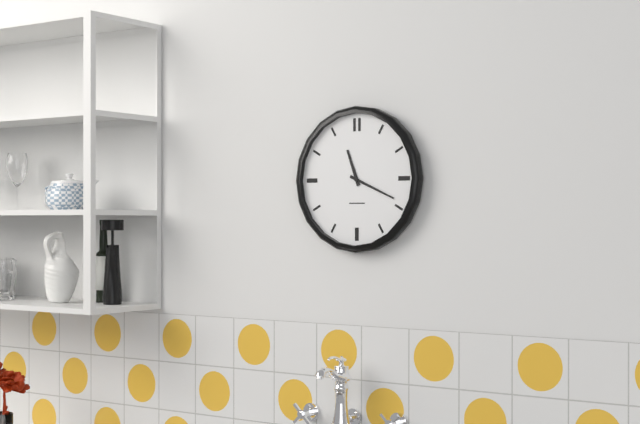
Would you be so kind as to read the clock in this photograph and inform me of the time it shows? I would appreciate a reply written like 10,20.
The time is 11,19
